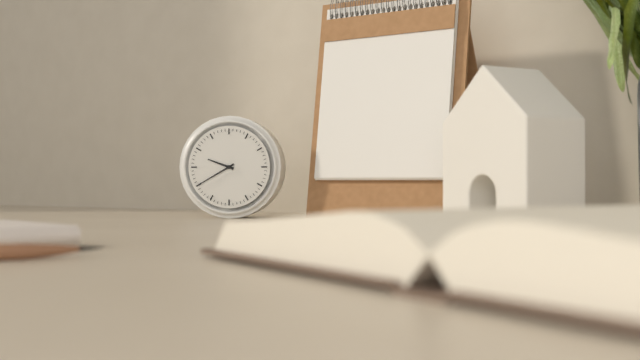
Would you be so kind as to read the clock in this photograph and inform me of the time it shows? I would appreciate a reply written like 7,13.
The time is 9,40
